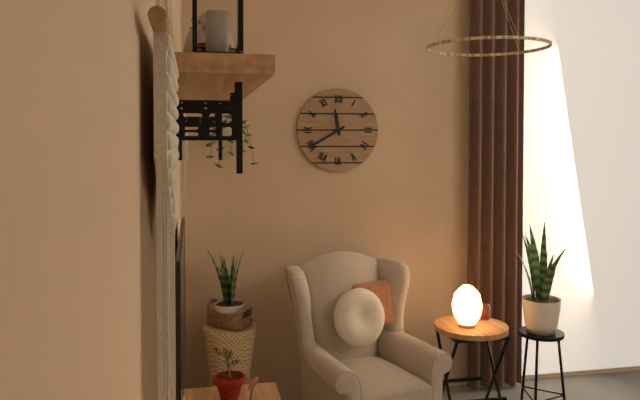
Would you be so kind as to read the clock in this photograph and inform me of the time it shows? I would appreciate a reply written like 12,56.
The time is 11,40
